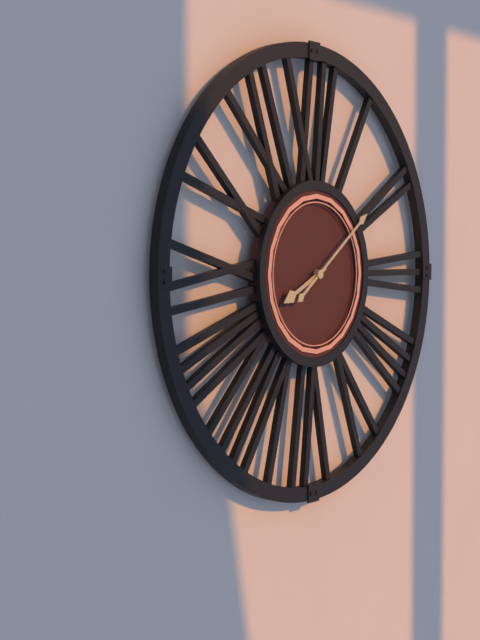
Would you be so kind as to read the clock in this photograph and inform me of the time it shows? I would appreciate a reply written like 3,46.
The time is 8,09
